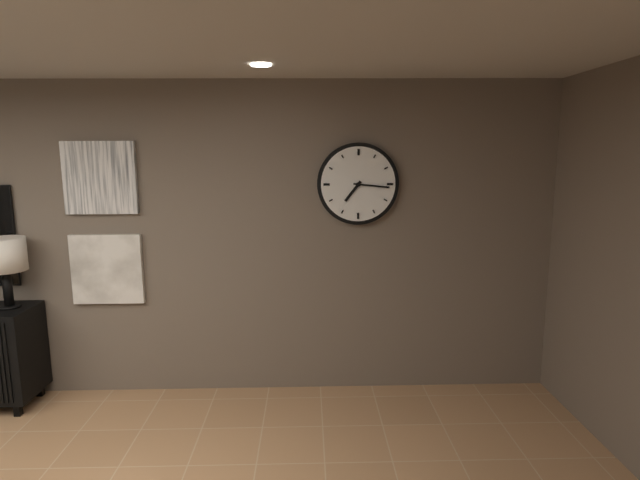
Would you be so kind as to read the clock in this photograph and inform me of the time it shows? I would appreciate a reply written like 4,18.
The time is 7,16
